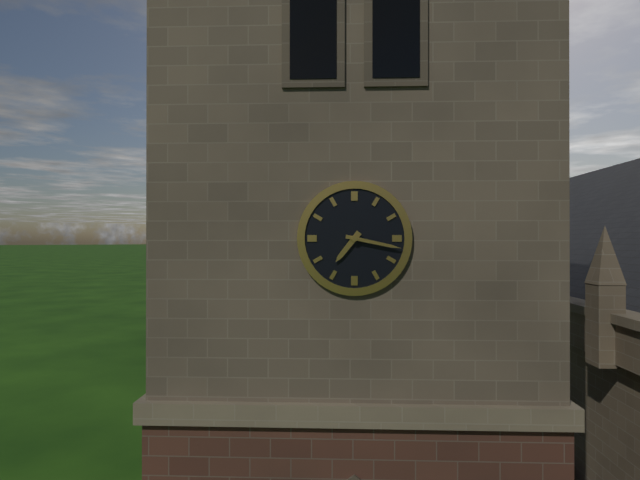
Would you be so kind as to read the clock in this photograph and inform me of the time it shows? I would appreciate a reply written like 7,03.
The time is 7,17
